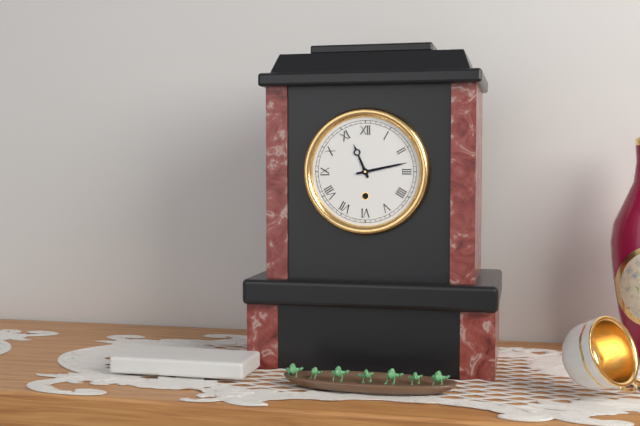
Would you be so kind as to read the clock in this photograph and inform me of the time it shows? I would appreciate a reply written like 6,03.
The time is 11,13
